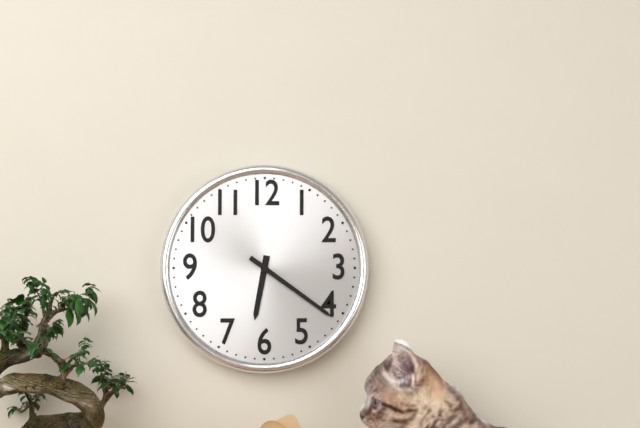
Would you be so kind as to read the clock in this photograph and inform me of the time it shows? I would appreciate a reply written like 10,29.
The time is 6,21
